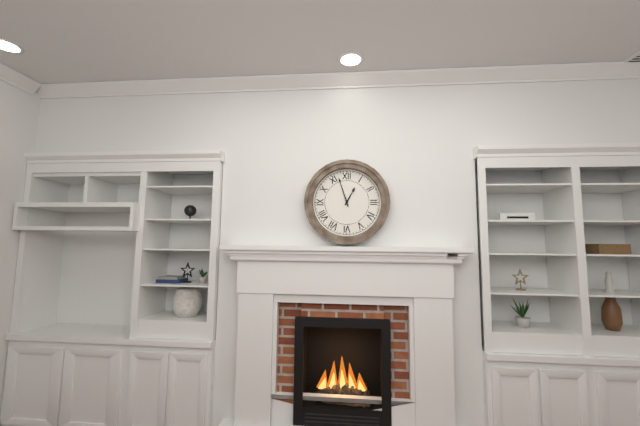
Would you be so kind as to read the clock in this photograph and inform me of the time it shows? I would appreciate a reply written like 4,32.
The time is 12,57
